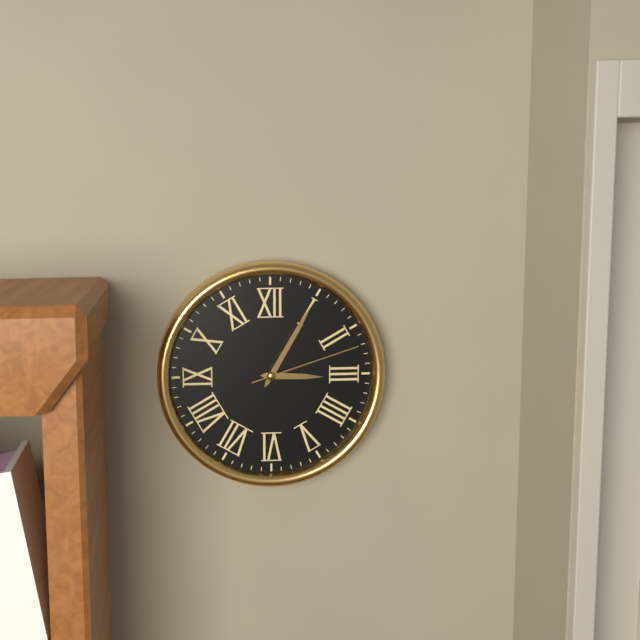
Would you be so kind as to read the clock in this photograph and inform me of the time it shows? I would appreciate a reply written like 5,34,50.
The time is 3,05,12
